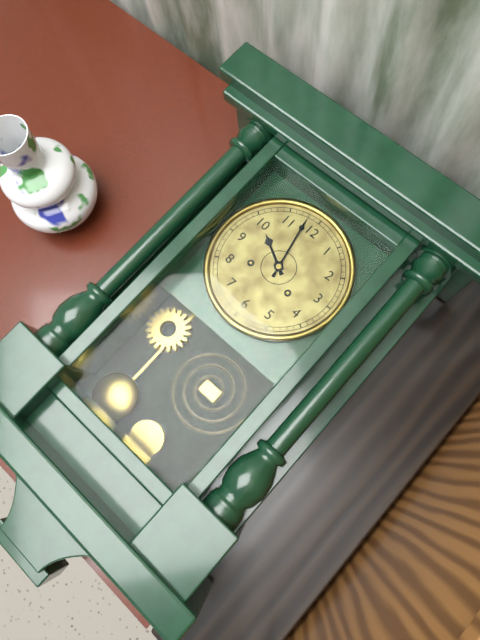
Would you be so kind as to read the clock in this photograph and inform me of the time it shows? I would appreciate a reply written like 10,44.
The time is 9,58
